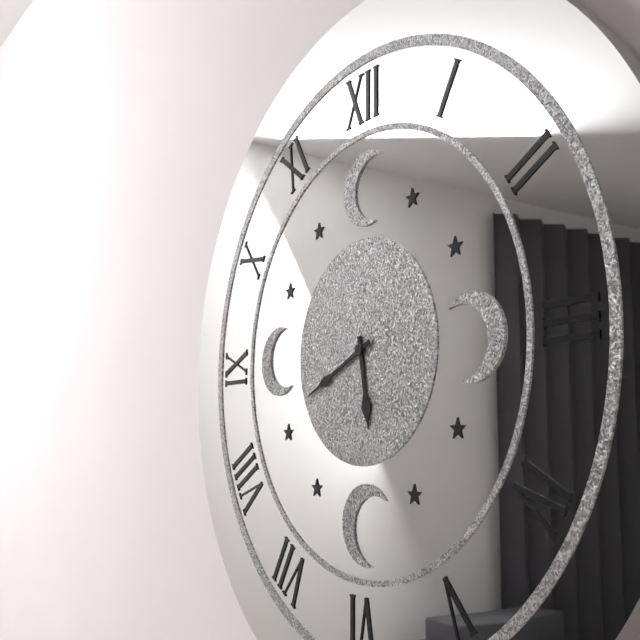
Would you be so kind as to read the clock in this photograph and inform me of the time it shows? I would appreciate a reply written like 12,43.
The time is 5,41
